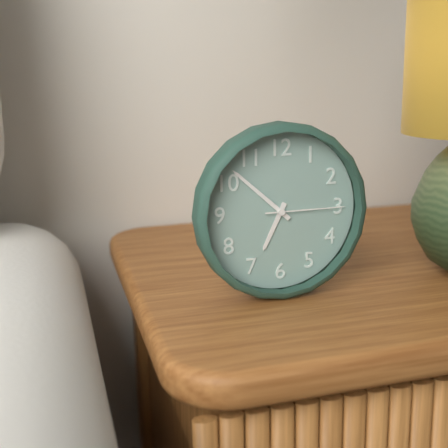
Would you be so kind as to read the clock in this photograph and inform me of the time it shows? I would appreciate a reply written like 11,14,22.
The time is 6,52,15
